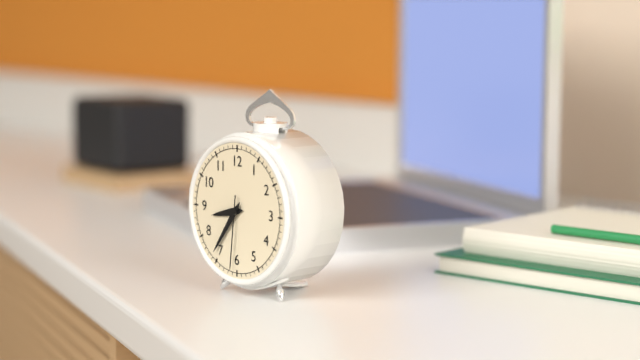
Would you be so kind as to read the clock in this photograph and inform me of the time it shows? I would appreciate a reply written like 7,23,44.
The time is 8,36,31
